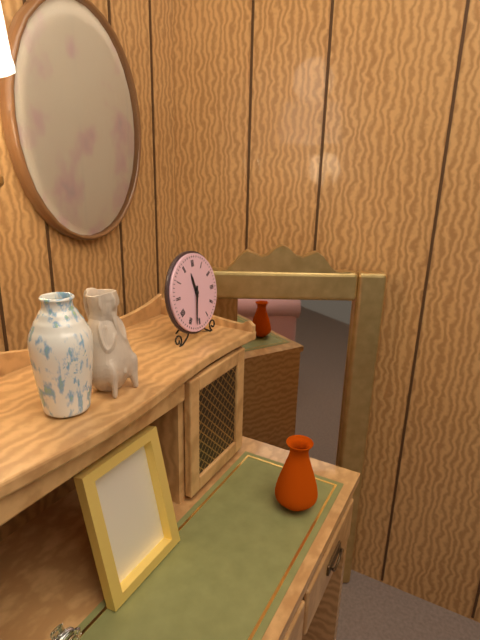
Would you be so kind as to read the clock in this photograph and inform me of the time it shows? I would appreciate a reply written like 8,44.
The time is 11,32
